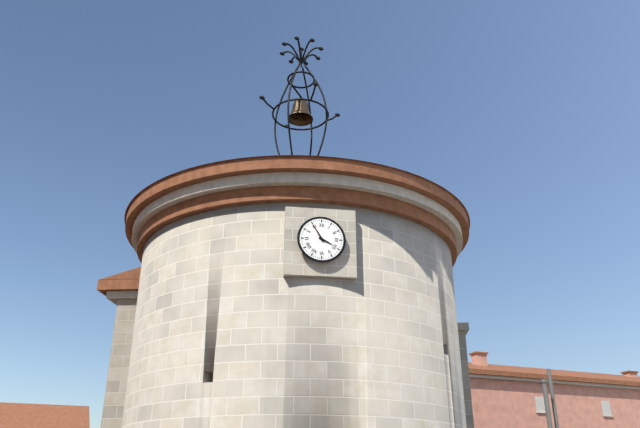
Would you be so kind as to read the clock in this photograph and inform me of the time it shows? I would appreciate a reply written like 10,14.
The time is 3,55
